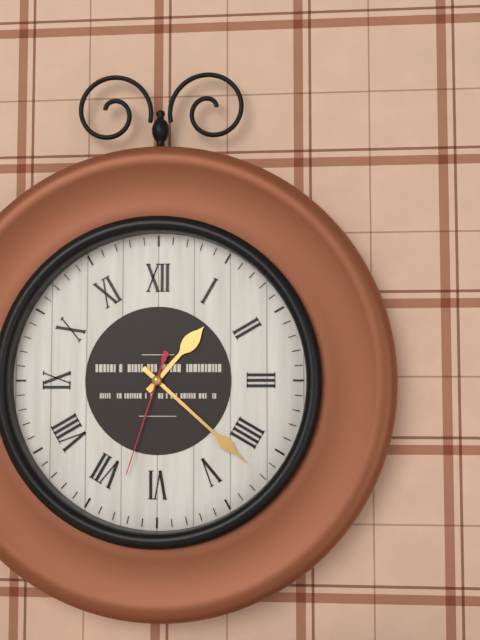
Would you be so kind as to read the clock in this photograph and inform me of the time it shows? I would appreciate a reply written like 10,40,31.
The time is 1,22,33
